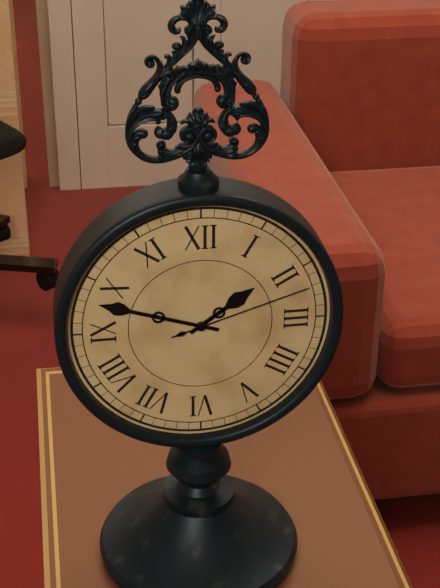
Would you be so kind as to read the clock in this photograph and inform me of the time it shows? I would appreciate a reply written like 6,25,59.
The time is 1,48,12
